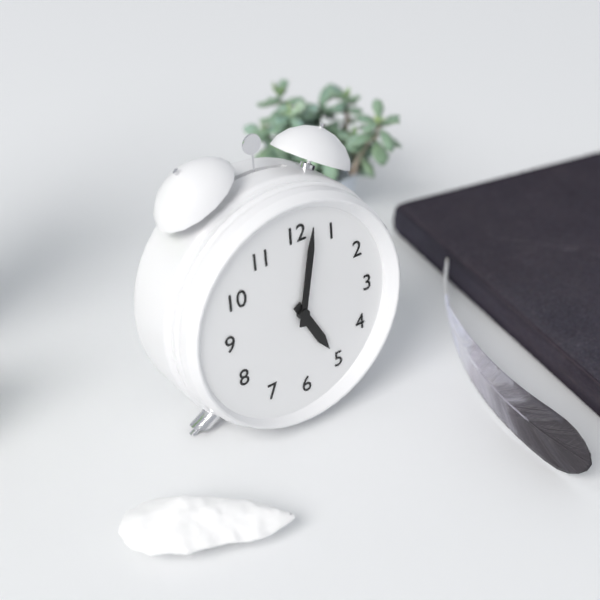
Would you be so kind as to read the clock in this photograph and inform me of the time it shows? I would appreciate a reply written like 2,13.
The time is 5,02
